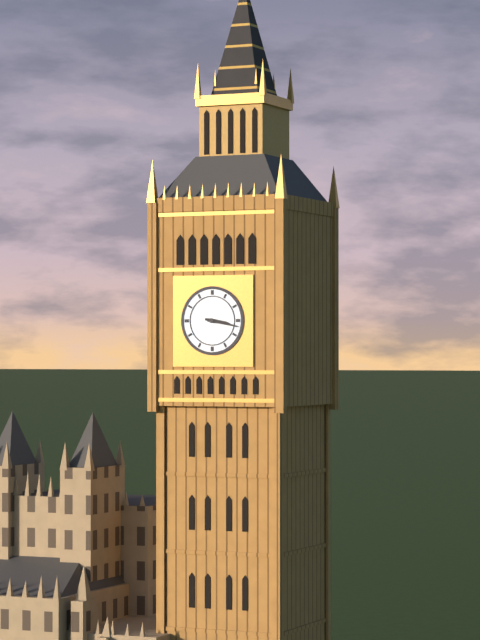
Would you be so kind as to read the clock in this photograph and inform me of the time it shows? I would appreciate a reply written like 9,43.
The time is 3,17
